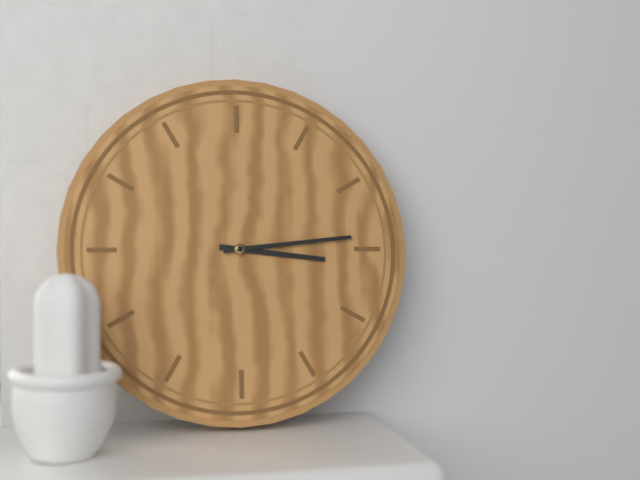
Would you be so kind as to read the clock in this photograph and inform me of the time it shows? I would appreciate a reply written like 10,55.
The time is 3,14
